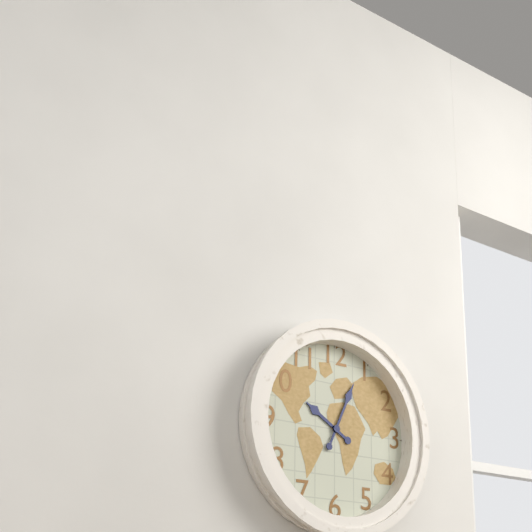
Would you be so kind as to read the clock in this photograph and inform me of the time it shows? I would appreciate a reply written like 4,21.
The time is 10,04
